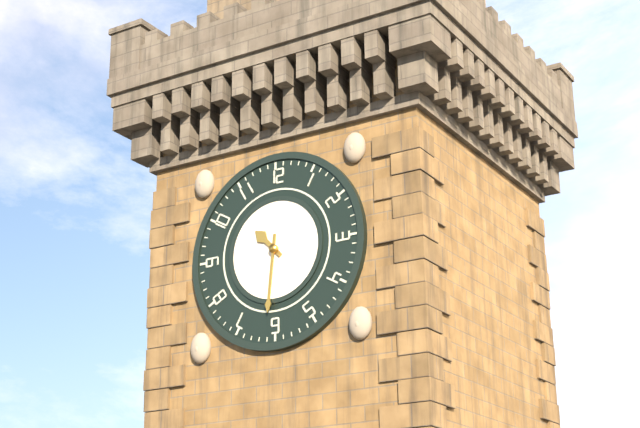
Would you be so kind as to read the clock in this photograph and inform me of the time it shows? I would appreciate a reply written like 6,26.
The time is 10,31
